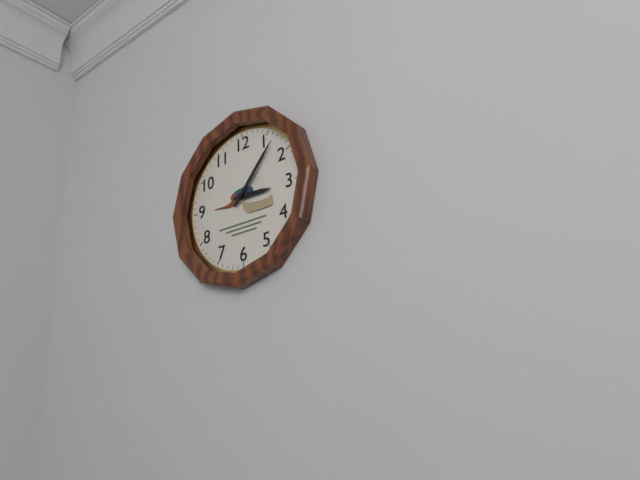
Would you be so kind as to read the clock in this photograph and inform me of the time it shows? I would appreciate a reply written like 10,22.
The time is 3,07
